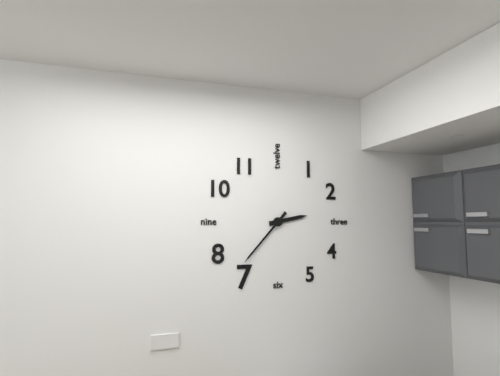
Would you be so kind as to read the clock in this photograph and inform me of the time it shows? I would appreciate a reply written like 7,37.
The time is 2,37
